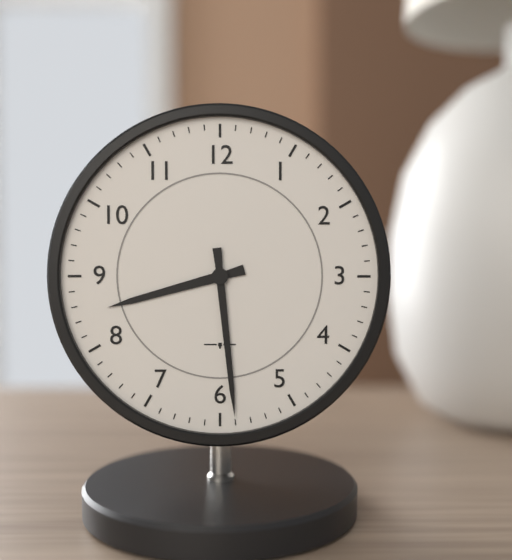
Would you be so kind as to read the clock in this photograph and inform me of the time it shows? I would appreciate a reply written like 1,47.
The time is 8,29
